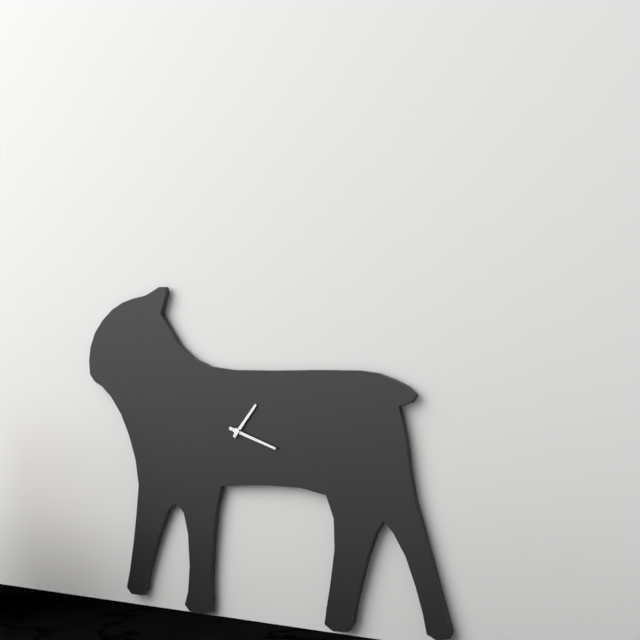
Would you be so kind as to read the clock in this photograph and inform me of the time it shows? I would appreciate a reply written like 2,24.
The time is 1,18
